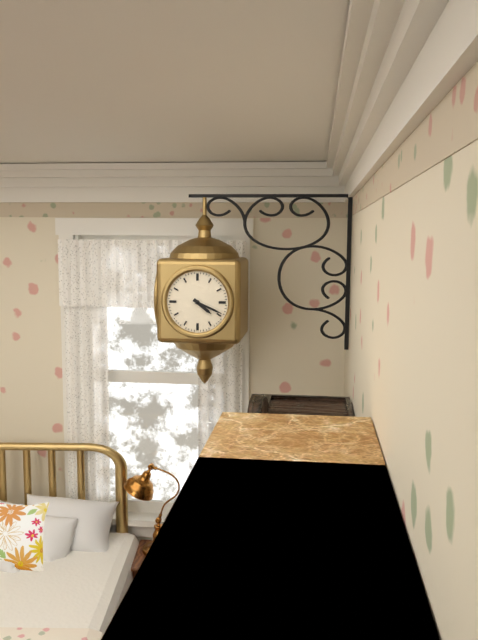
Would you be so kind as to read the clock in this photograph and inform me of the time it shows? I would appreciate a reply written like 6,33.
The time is 4,19
